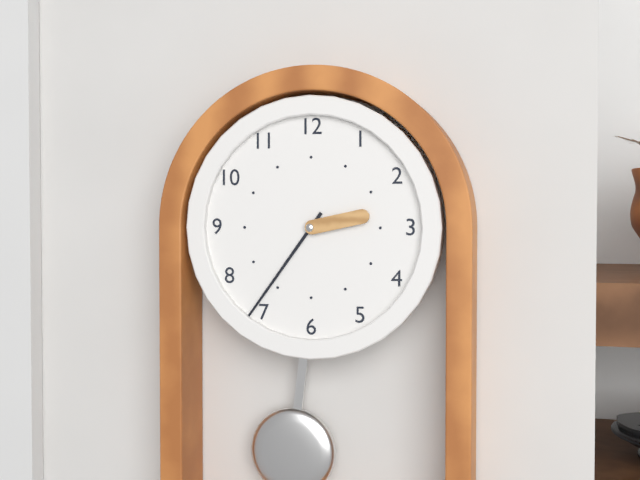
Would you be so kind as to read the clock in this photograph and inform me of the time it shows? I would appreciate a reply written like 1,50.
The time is 2,36
